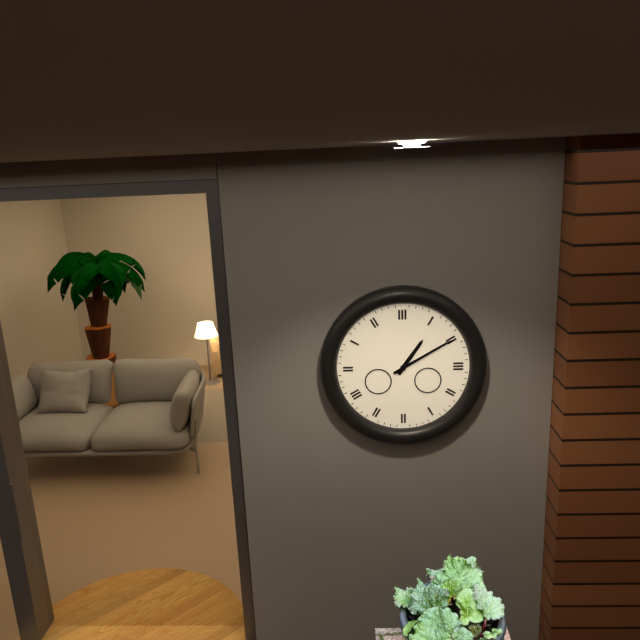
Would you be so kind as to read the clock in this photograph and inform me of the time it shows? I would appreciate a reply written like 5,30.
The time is 1,10
